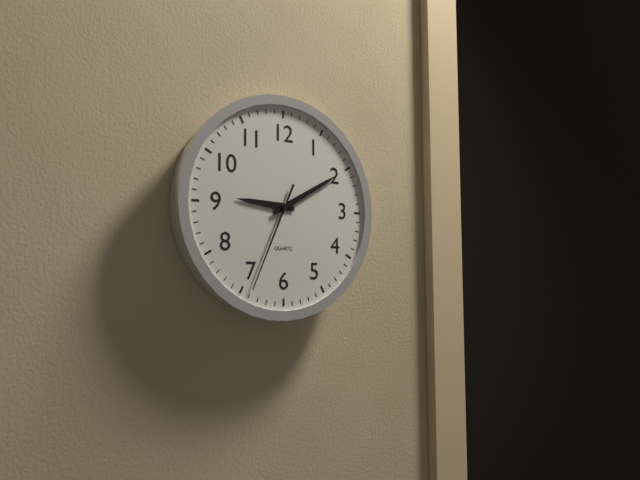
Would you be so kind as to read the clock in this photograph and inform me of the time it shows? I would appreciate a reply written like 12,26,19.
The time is 9,10,34
